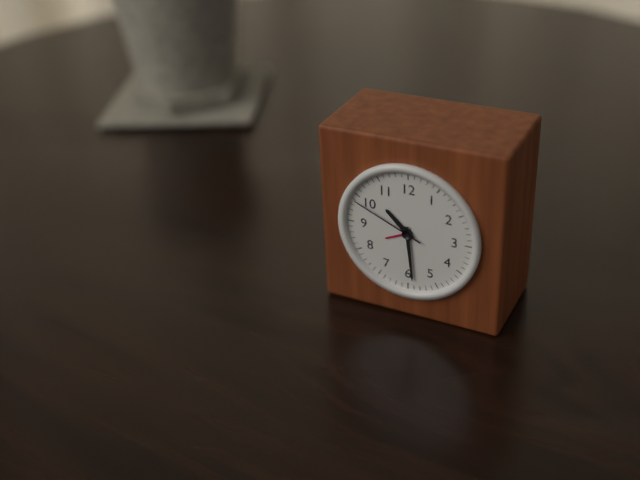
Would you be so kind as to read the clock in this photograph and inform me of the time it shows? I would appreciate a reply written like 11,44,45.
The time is 10,29,49
